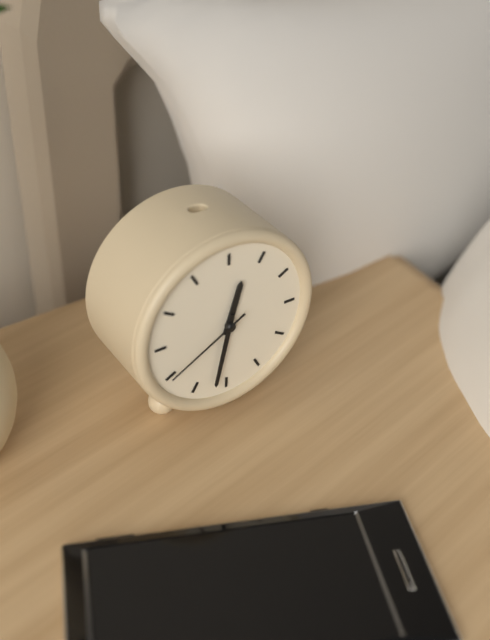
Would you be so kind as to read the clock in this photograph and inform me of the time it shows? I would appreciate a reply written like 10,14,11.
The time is 12,32,40
